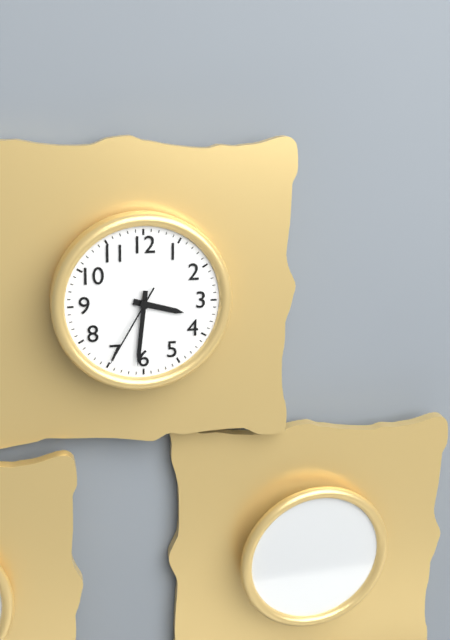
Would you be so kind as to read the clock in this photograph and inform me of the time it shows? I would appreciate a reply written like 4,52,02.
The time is 3,31,35
